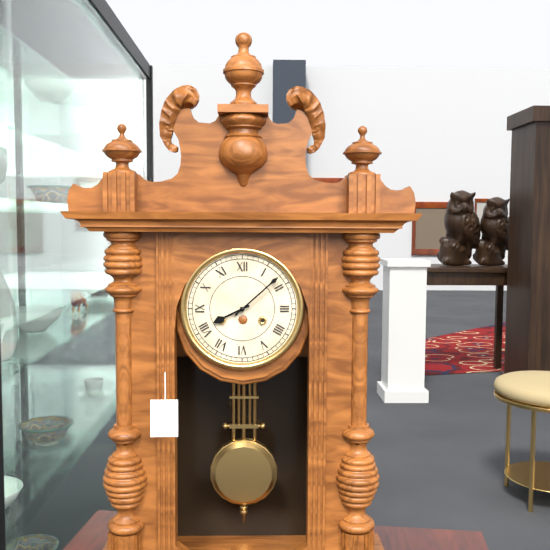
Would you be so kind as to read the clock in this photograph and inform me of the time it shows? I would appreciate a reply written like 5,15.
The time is 8,08
